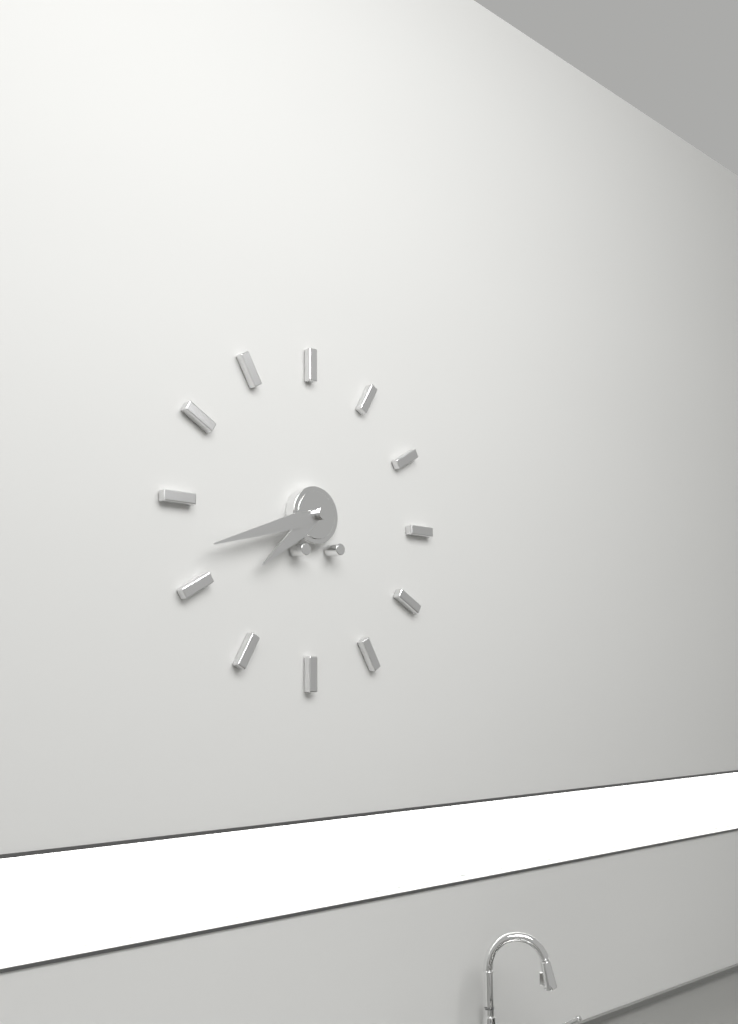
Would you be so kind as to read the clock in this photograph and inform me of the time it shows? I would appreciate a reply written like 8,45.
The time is 7,42
